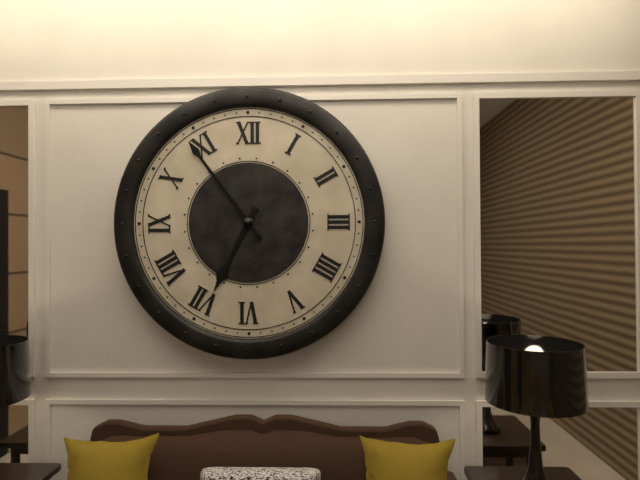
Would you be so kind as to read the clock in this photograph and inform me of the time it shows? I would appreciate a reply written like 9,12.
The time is 6,54
